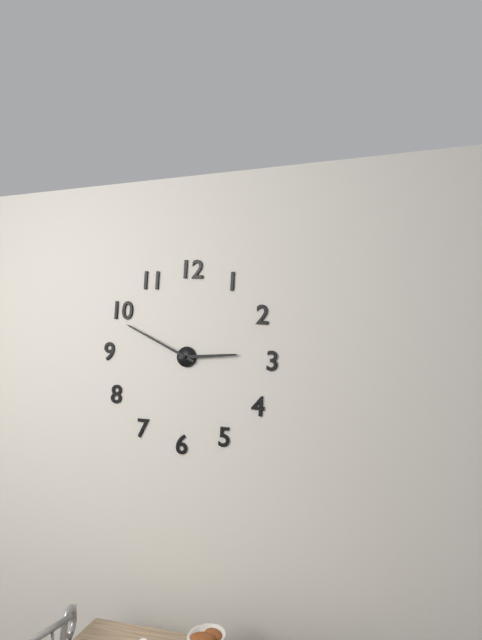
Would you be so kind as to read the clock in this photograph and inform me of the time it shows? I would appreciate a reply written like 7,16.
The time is 2,49
